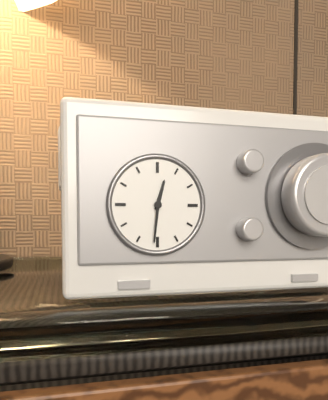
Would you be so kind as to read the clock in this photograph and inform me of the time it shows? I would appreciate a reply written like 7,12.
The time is 12,31
